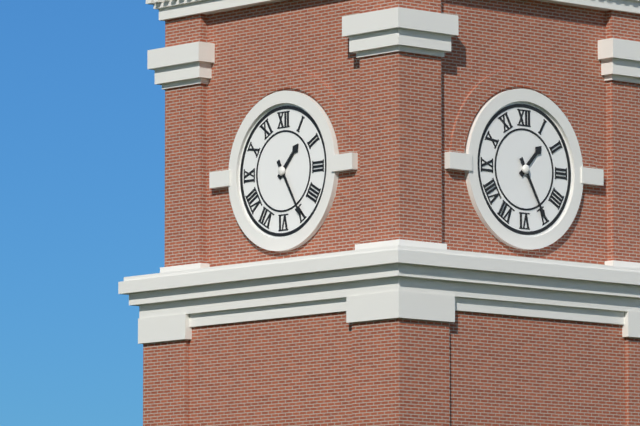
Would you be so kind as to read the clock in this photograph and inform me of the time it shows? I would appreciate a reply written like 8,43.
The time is 1,25
